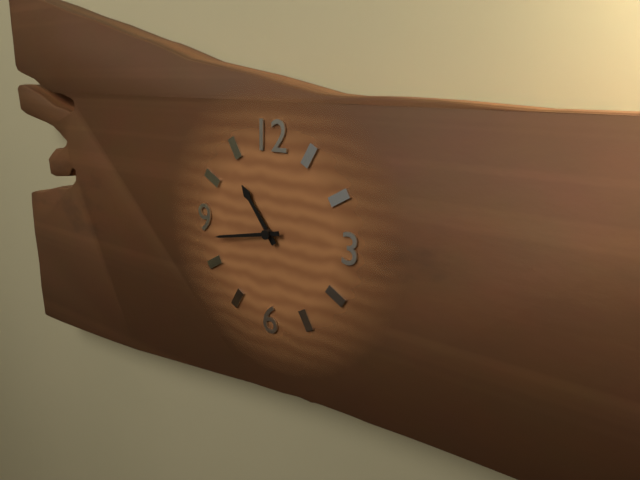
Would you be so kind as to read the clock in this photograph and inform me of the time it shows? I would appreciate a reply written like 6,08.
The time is 10,43
